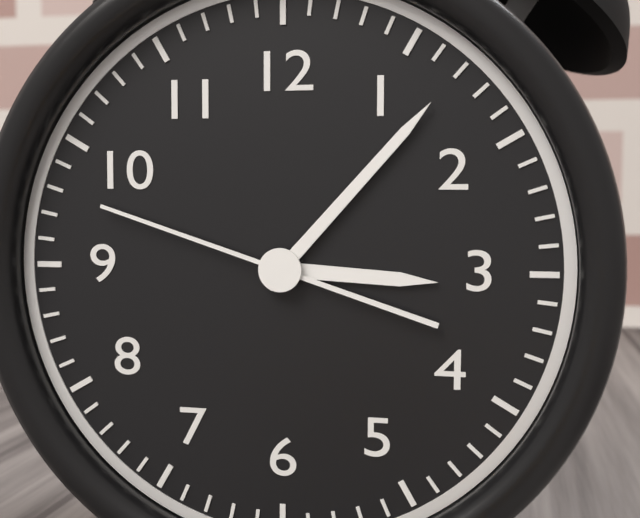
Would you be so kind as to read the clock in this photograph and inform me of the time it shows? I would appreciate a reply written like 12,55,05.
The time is 3,07,48
